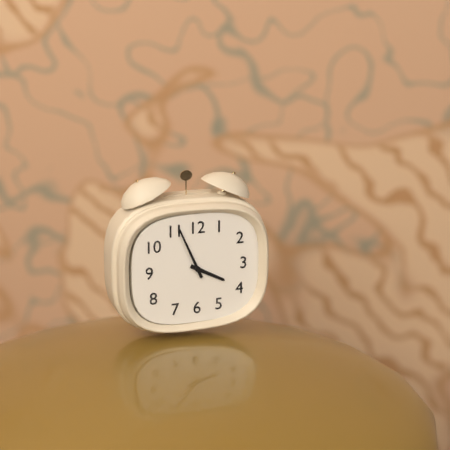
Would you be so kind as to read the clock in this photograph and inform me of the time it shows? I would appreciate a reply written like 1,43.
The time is 3,56
